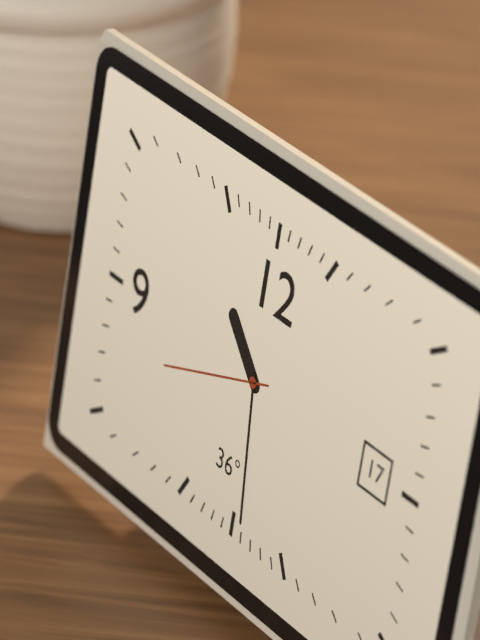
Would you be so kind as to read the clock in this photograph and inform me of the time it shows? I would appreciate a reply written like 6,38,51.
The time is 10,29,42
